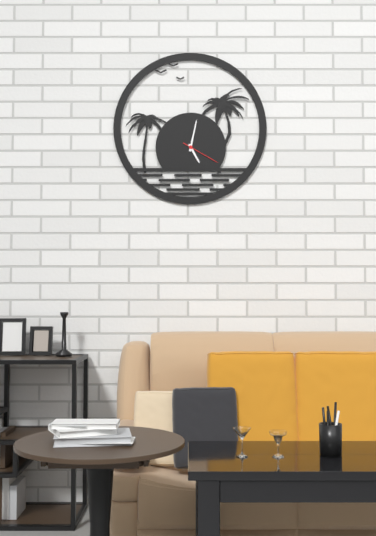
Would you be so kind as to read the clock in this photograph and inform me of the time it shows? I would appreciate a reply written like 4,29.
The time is 5,02
